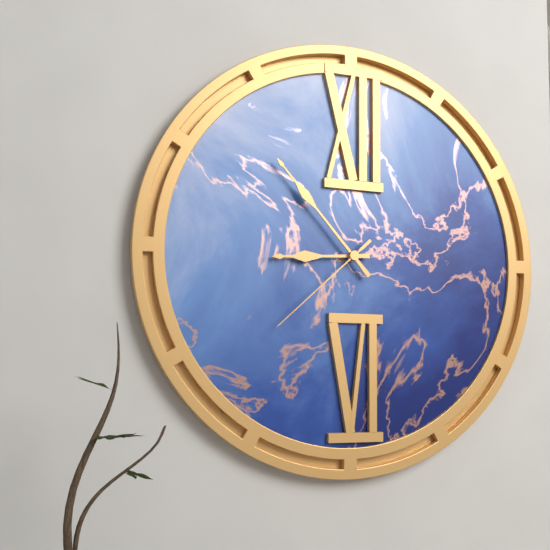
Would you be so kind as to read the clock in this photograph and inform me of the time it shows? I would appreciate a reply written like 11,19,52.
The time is 8,53,38
